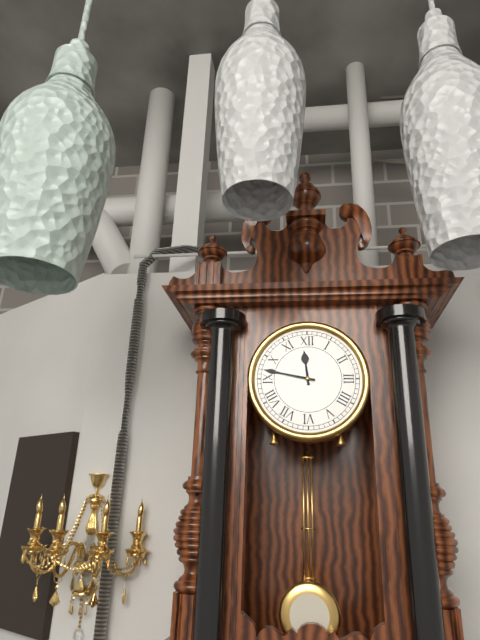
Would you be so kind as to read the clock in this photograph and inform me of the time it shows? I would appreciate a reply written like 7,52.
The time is 11,47
